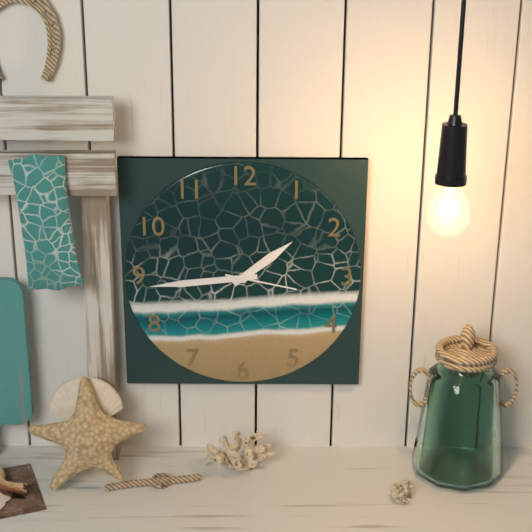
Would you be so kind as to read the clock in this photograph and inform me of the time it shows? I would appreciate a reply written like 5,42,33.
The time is 1,44,17
